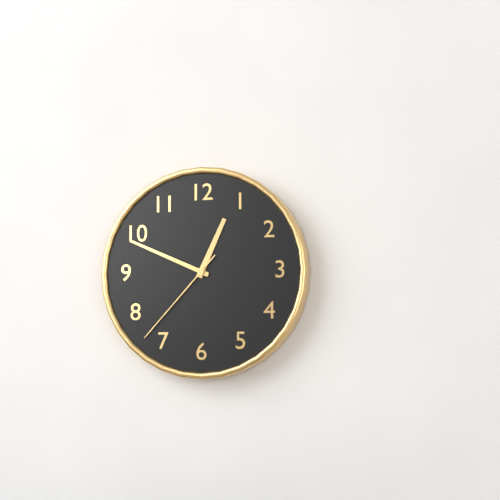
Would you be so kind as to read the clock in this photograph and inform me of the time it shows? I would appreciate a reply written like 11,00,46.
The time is 12,49,37
